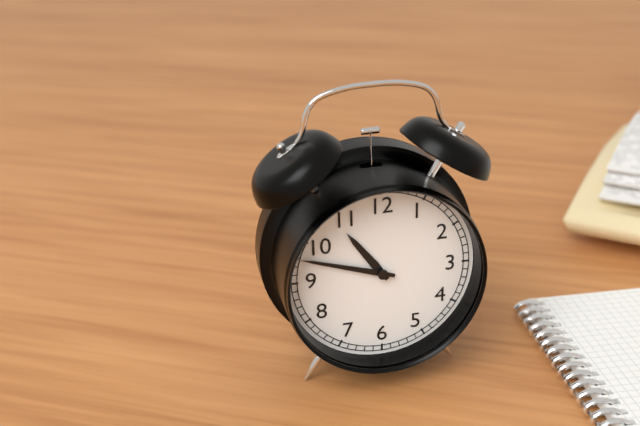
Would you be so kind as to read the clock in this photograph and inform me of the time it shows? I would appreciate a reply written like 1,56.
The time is 10,48
